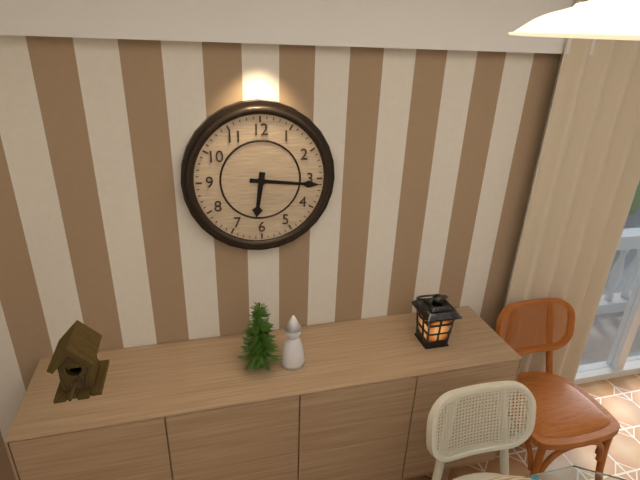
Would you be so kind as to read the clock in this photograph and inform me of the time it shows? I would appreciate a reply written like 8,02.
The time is 6,16
